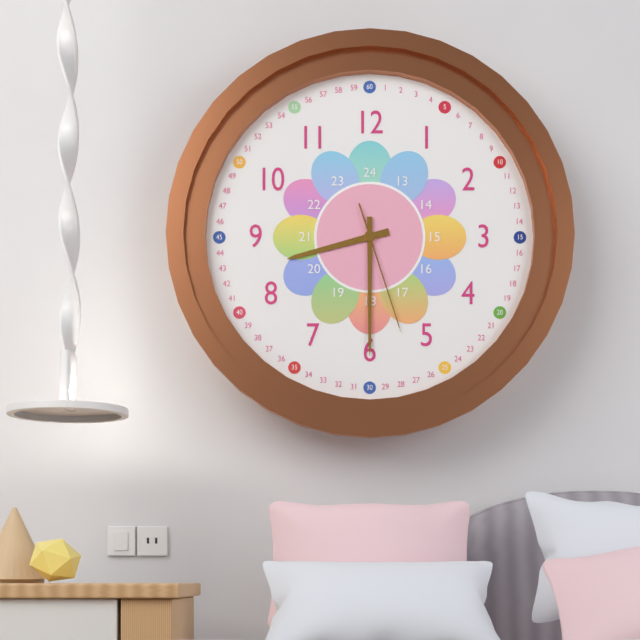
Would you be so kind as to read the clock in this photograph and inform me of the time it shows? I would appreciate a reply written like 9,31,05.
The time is 8,30,27
